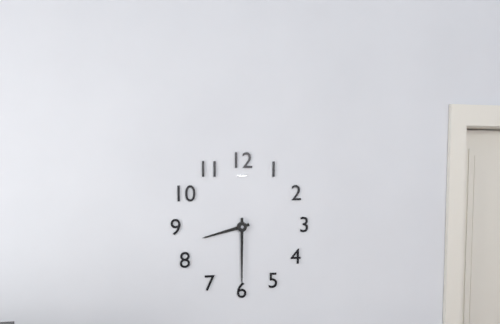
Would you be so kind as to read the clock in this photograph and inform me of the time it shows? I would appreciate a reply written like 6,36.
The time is 8,30
